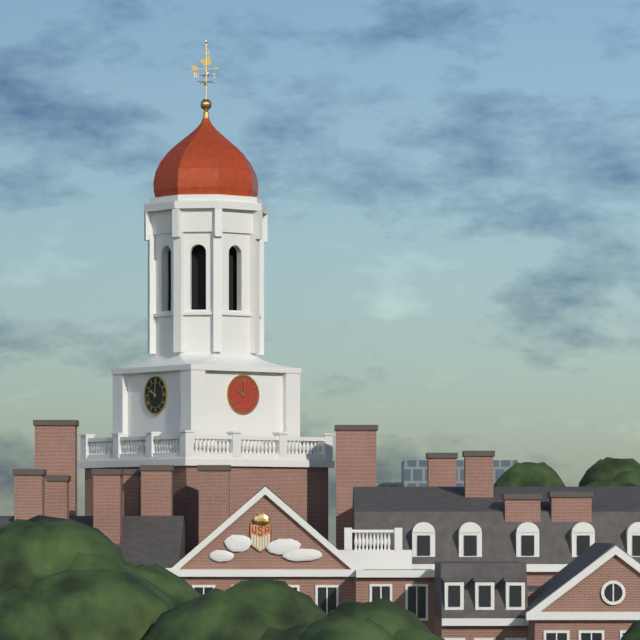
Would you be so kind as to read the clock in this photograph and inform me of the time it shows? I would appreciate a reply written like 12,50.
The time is 10,01
